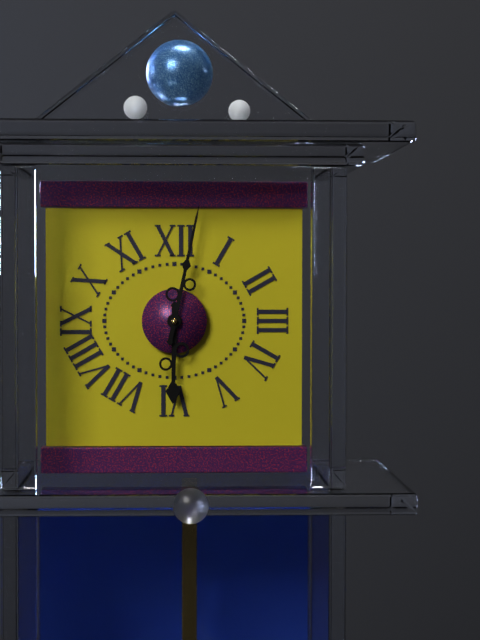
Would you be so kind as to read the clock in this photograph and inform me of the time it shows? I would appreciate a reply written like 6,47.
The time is 6,02
